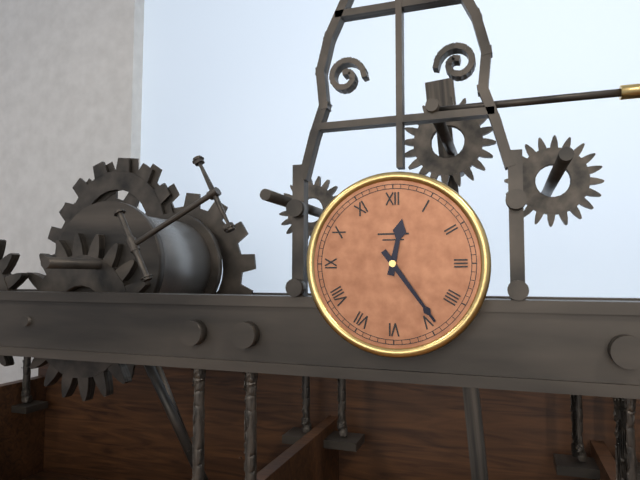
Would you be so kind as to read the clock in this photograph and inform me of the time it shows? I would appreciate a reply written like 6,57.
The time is 12,24
